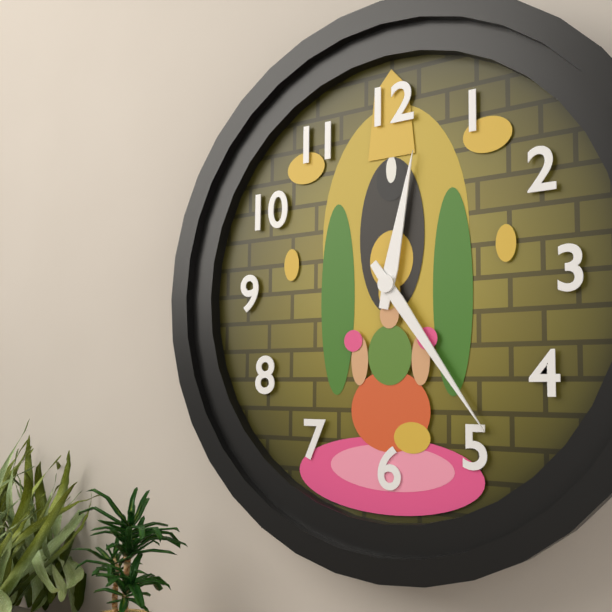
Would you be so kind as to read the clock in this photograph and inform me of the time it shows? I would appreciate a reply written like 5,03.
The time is 12,24
